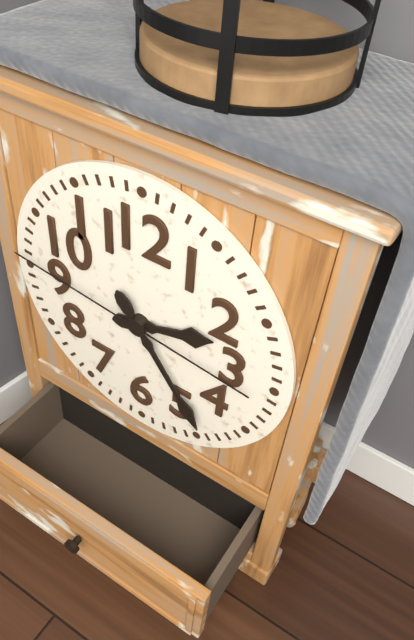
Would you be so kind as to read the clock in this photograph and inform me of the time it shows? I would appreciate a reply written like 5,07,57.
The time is 2,24,46
